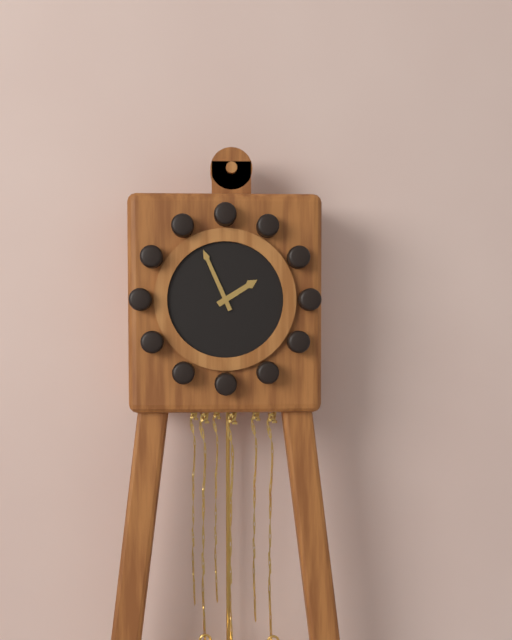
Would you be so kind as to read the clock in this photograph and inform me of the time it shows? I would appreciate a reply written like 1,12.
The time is 1,56
